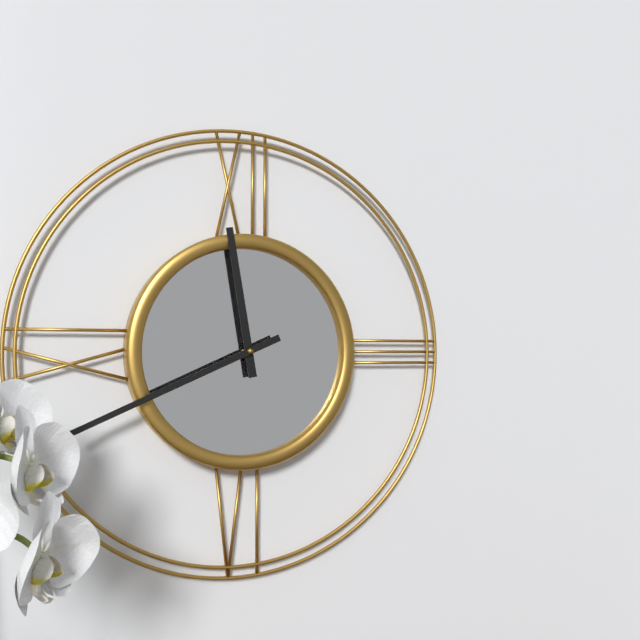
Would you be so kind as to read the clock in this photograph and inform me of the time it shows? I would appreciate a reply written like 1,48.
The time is 11,41
